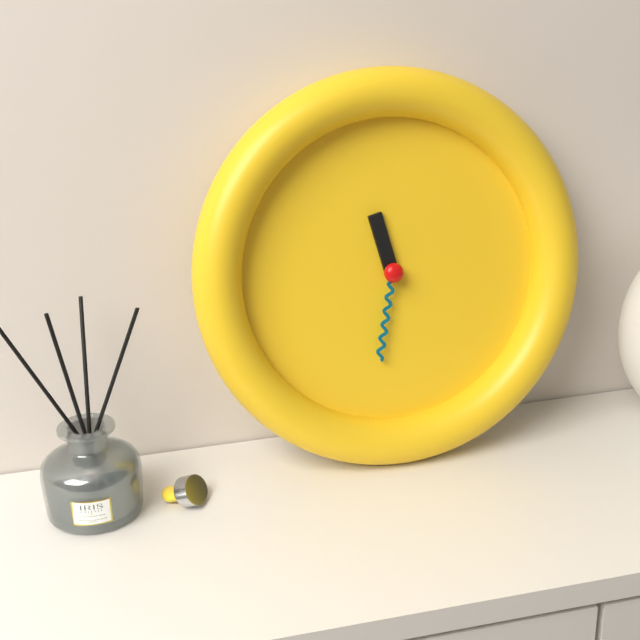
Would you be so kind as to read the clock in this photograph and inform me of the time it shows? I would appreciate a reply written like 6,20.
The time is 11,32
